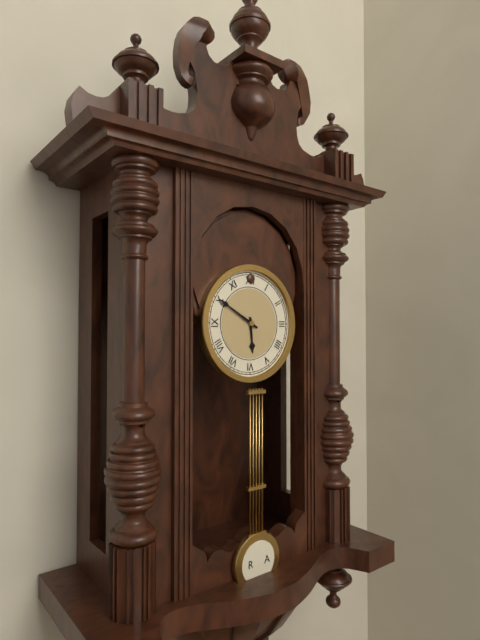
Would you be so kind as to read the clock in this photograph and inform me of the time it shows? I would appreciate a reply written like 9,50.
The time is 5,50
